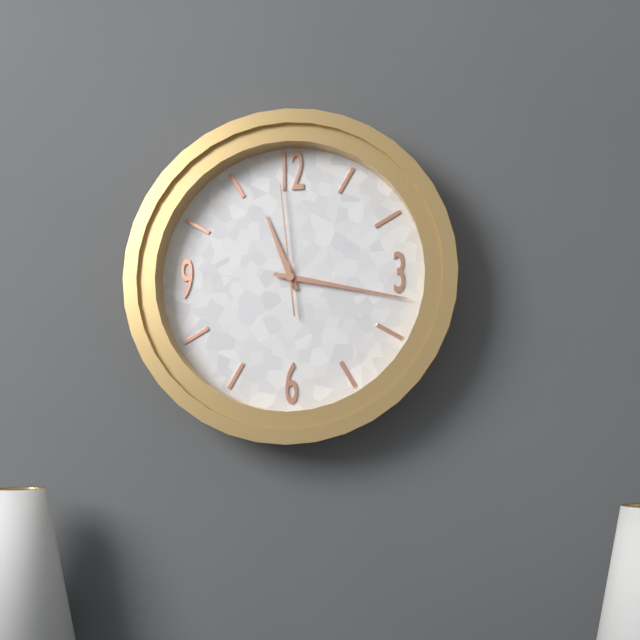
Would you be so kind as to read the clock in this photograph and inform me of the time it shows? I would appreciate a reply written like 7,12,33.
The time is 11,17,59
